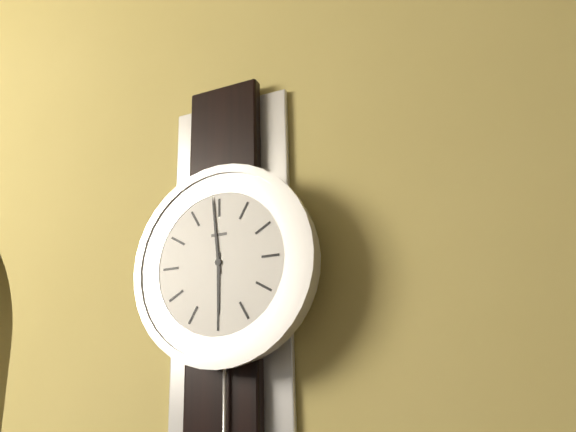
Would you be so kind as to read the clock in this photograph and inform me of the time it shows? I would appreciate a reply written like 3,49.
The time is 5,59
